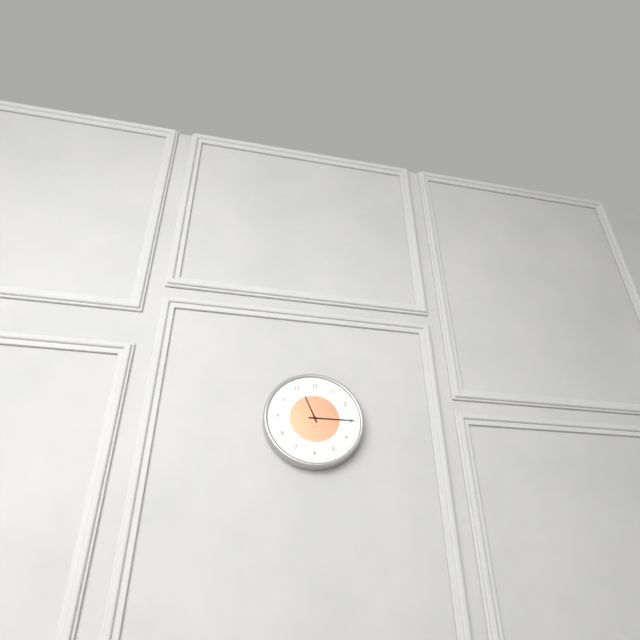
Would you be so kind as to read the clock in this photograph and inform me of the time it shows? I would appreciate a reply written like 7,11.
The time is 11,15
